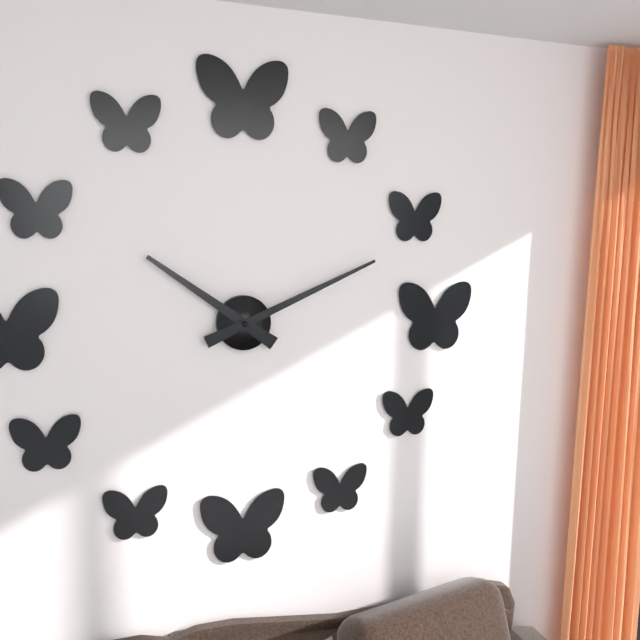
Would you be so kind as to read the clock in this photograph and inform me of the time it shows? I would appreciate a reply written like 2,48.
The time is 10,11
